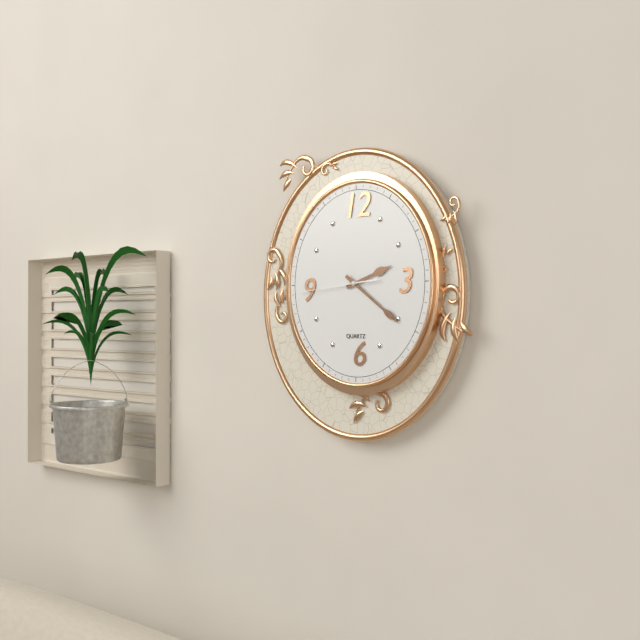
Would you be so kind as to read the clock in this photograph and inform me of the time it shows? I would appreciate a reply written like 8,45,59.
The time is 2,21,44
